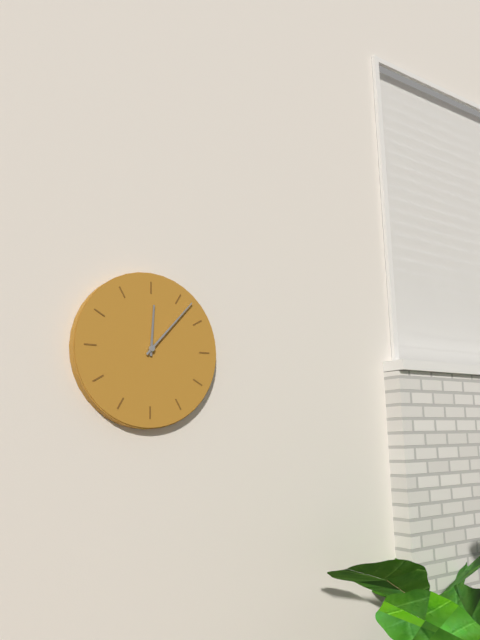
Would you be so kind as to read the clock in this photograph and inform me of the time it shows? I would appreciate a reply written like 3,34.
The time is 12,07
